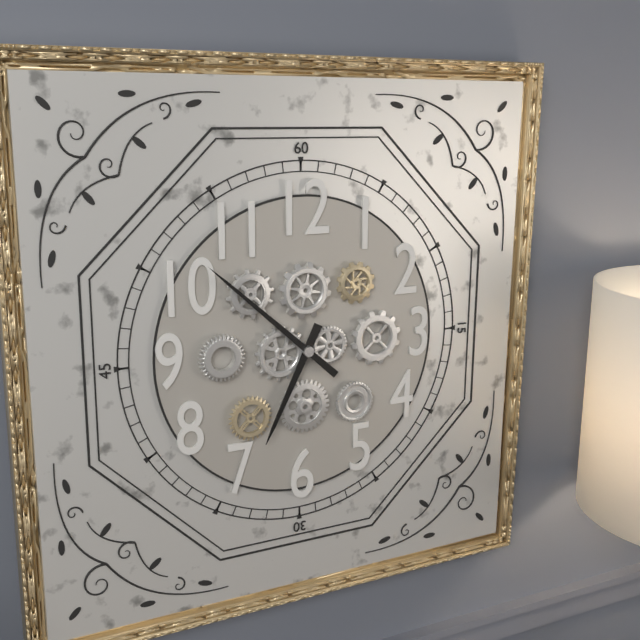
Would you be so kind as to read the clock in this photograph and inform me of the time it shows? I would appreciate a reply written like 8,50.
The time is 6,52
